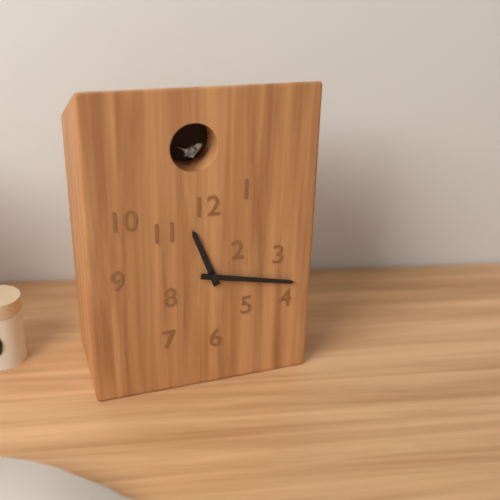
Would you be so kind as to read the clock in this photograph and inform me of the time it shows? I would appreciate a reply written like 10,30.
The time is 11,17
